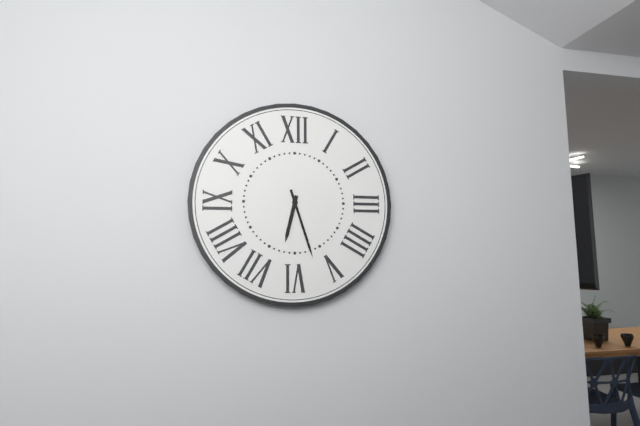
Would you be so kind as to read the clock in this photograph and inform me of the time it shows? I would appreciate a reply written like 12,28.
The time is 6,27
